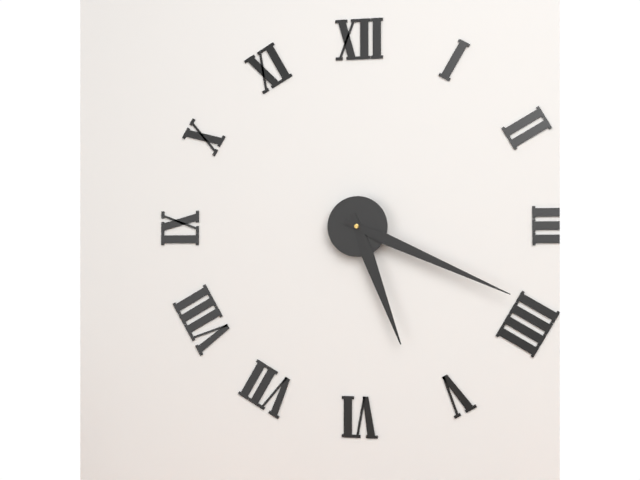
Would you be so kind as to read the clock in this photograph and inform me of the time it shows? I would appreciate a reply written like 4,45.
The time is 5,19
